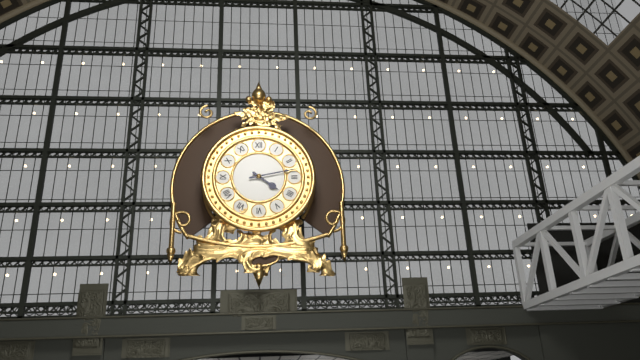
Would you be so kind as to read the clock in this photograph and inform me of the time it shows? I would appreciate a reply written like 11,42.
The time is 4,13
